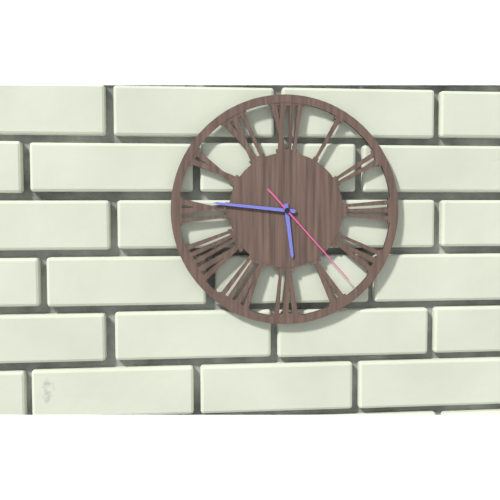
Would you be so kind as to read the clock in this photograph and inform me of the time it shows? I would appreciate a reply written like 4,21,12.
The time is 5,46,23
